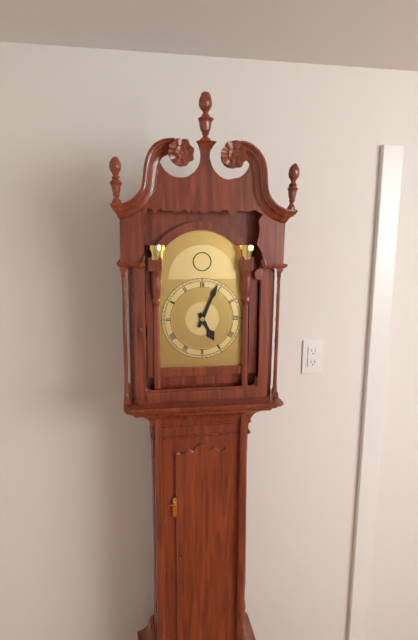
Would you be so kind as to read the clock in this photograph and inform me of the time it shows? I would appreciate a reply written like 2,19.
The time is 5,04
